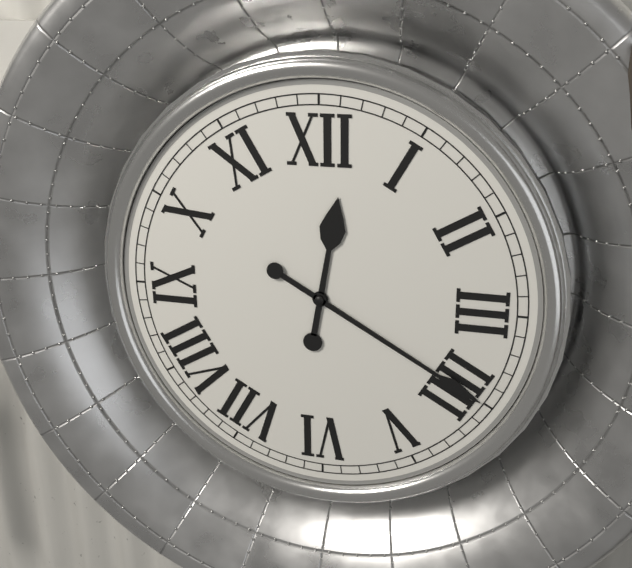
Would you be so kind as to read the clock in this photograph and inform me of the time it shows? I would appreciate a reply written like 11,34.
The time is 12,20
